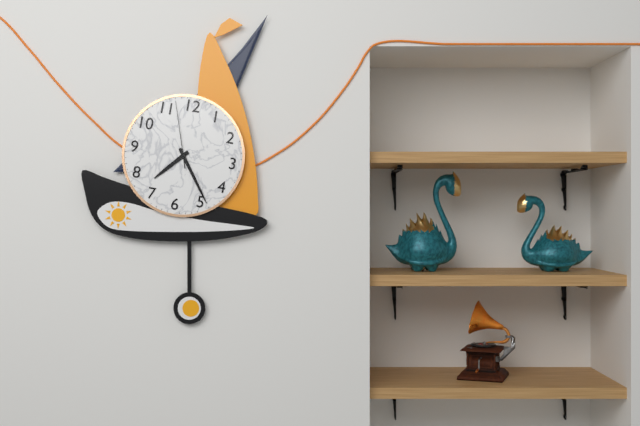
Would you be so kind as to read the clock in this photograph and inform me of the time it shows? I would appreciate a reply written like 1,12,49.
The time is 7,24,57
